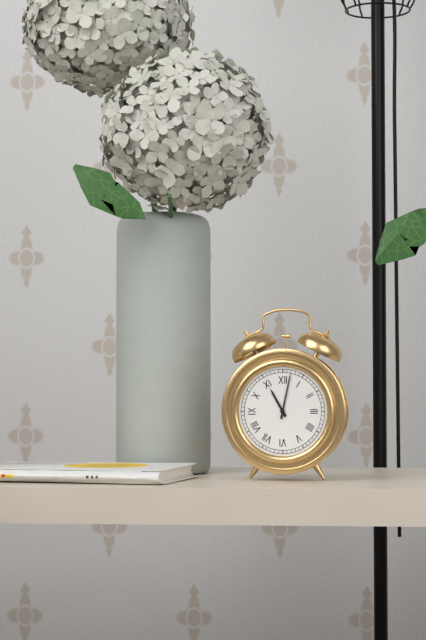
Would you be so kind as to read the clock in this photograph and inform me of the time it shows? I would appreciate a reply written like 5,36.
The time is 11,02
